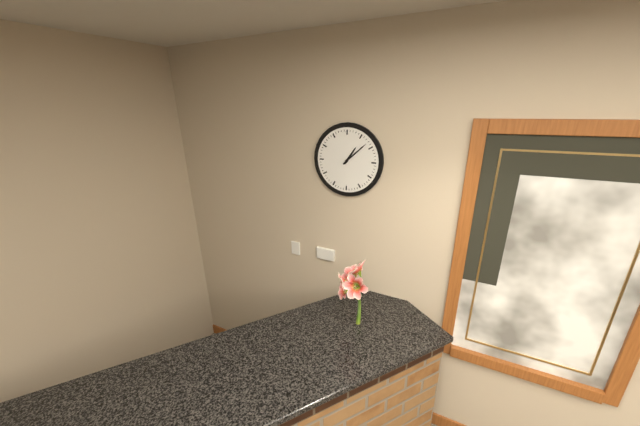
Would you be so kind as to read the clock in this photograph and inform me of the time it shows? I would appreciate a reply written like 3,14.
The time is 1,08
